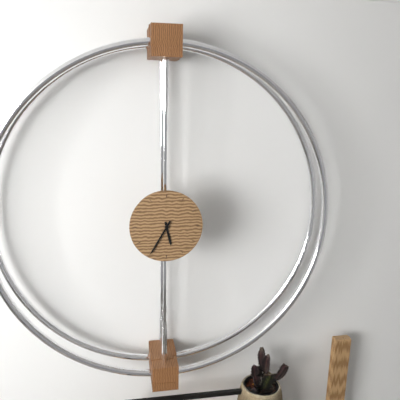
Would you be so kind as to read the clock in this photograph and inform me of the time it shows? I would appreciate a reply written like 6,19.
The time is 5,35
